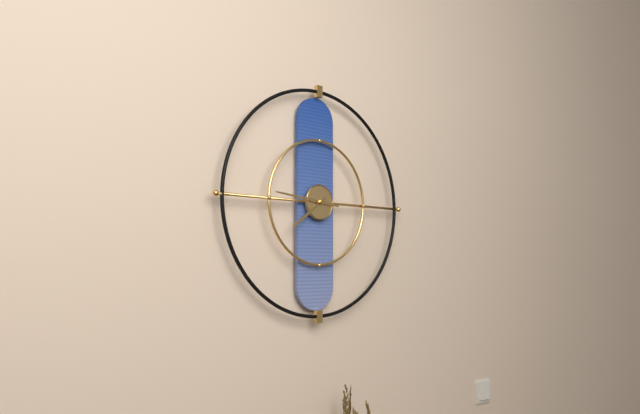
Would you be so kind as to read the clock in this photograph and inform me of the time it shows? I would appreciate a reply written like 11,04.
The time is 7,46
